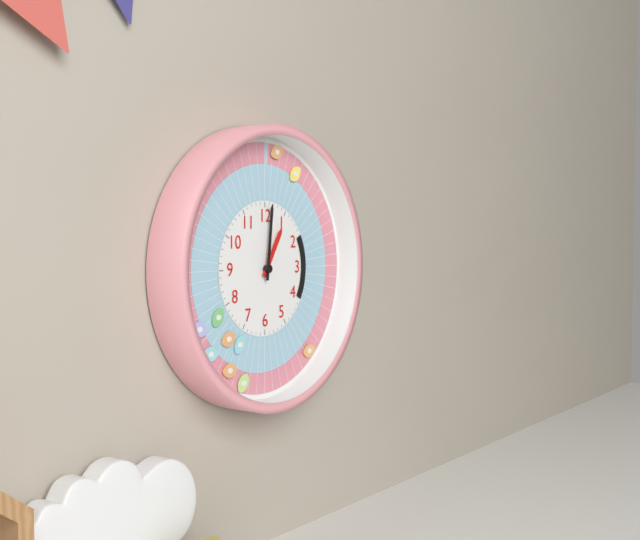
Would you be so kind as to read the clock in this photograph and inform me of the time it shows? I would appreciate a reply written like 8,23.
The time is 1,01
